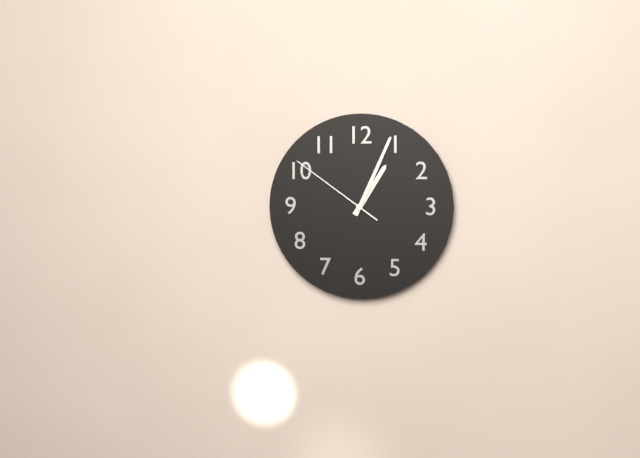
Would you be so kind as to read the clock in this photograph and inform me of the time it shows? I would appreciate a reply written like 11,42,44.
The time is 1,04,51
